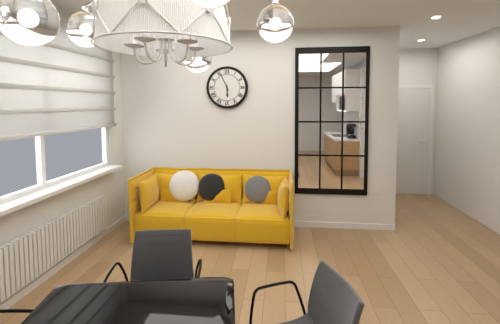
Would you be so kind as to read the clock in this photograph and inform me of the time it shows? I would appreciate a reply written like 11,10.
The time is 5,56
